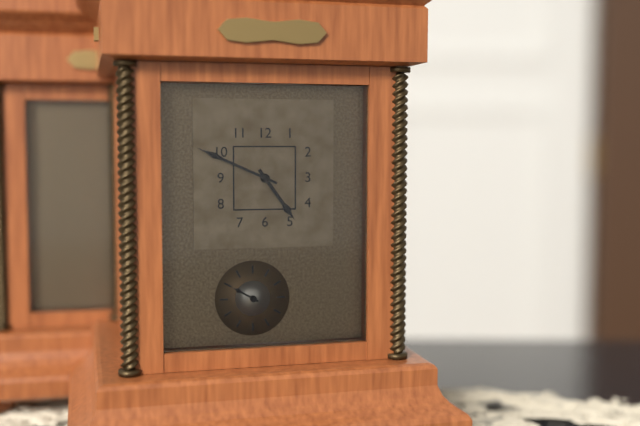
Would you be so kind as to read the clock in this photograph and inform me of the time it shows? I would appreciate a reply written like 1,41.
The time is 4,49
